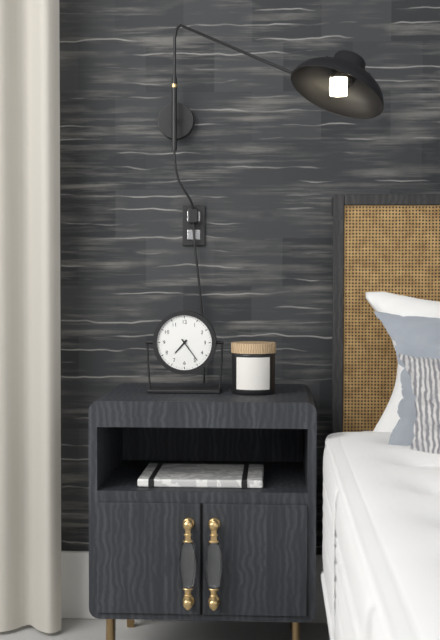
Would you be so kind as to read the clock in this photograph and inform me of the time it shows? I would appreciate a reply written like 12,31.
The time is 7,24
